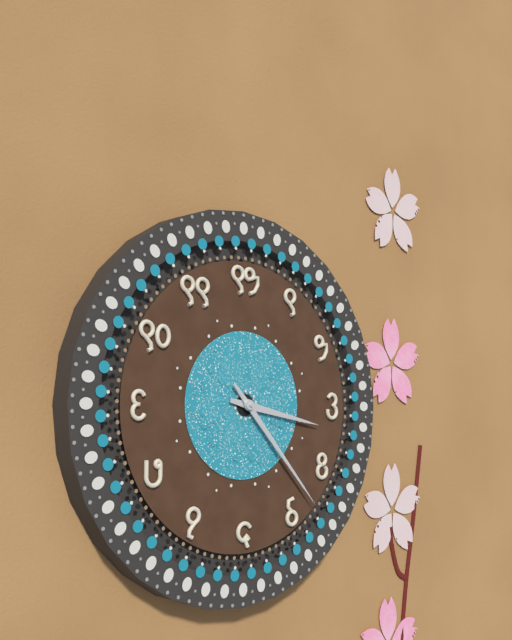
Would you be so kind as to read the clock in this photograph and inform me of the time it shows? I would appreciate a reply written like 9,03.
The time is 3,23
